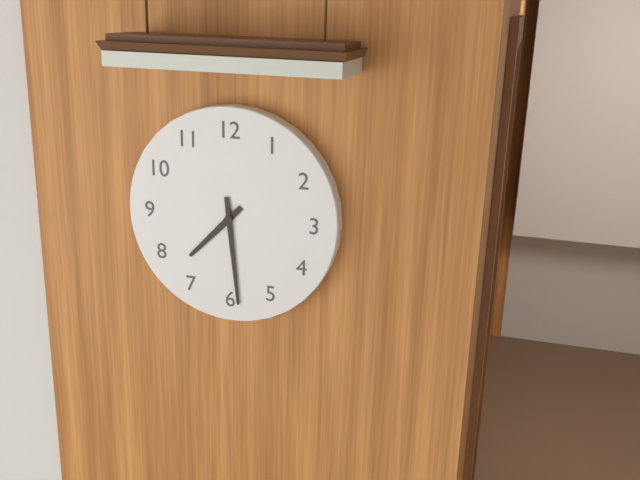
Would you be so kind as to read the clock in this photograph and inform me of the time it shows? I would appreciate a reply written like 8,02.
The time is 7,29
